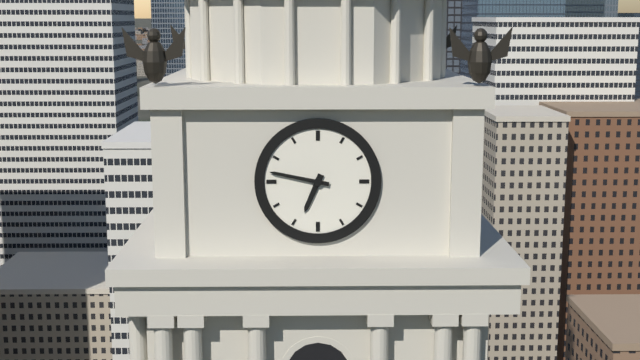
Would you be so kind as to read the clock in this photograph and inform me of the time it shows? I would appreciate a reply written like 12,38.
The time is 6,47
